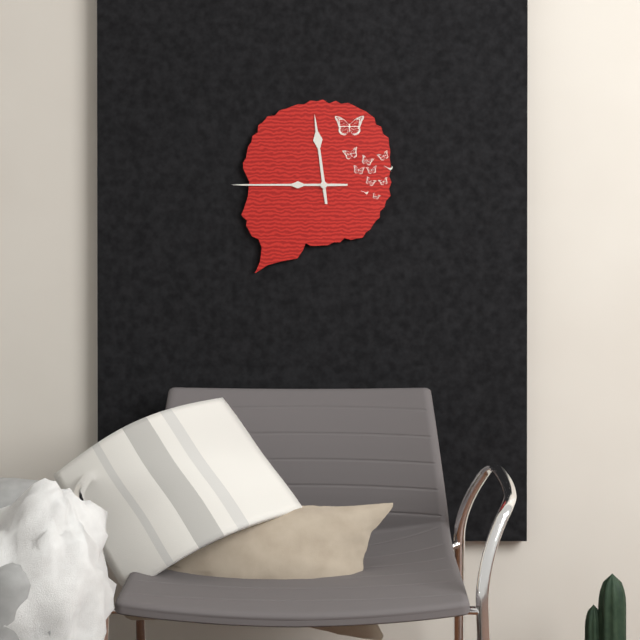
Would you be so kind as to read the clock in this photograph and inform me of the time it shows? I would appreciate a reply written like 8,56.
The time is 11,45
